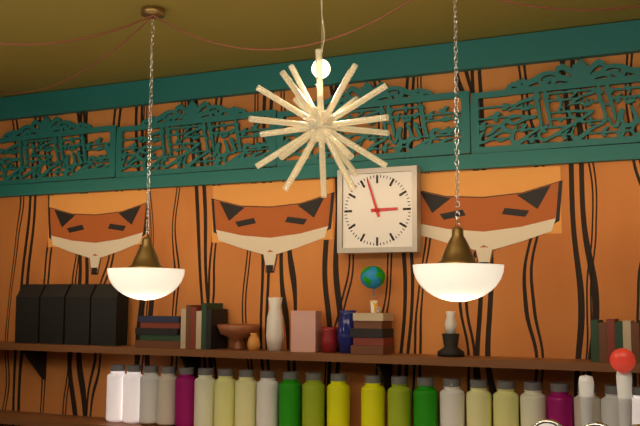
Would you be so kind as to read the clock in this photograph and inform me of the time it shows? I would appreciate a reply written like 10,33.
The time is 2,57
